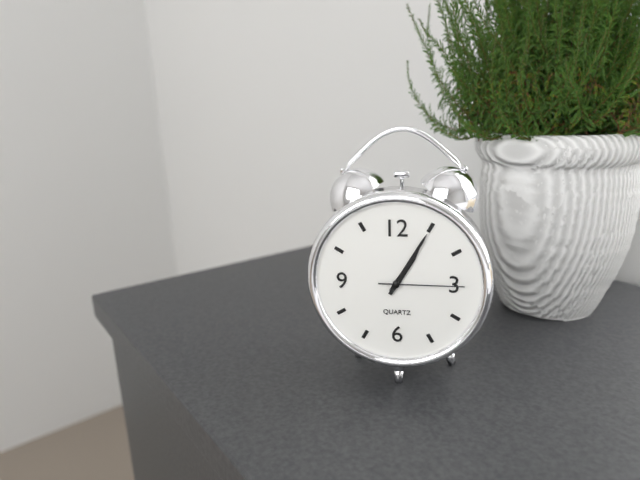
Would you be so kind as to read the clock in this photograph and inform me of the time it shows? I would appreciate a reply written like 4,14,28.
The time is 1,05,15
